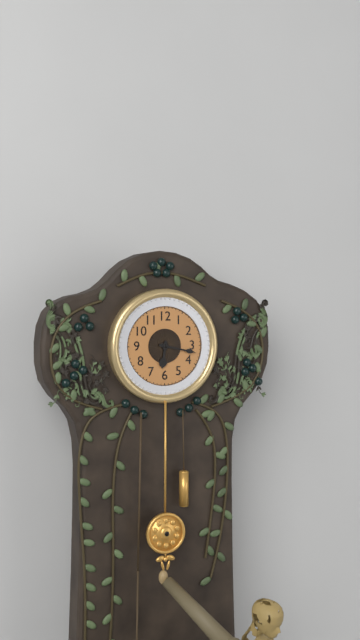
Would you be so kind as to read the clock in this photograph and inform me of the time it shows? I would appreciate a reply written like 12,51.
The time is 6,17
